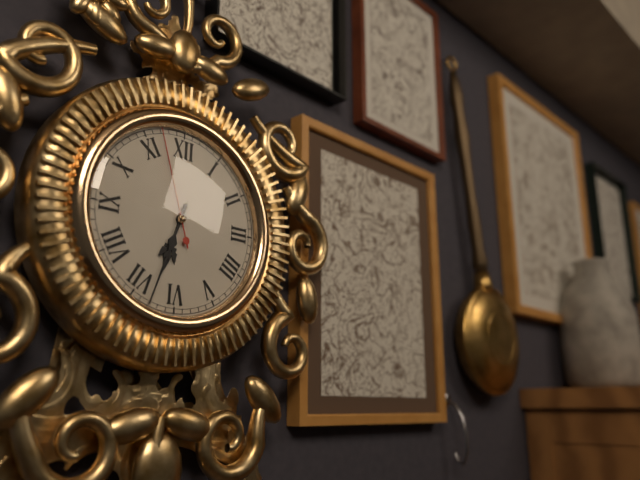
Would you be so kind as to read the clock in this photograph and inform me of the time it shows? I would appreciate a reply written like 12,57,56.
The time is 6,33,57
